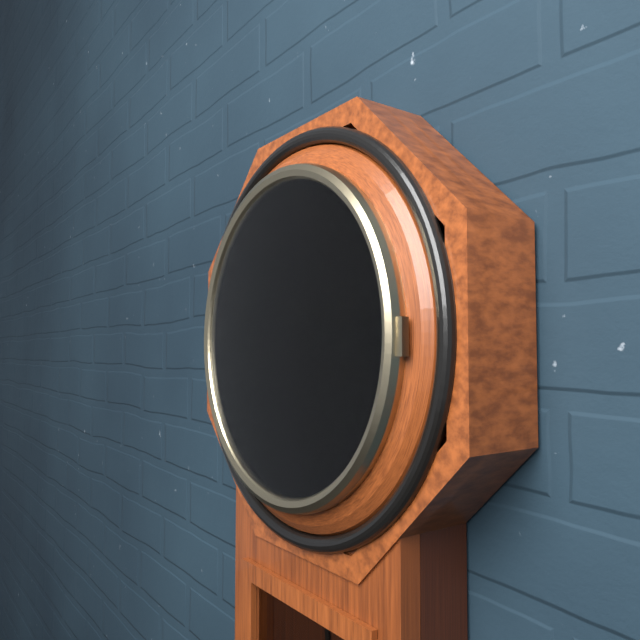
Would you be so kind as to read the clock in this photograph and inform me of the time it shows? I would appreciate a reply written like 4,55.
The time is 6,02
